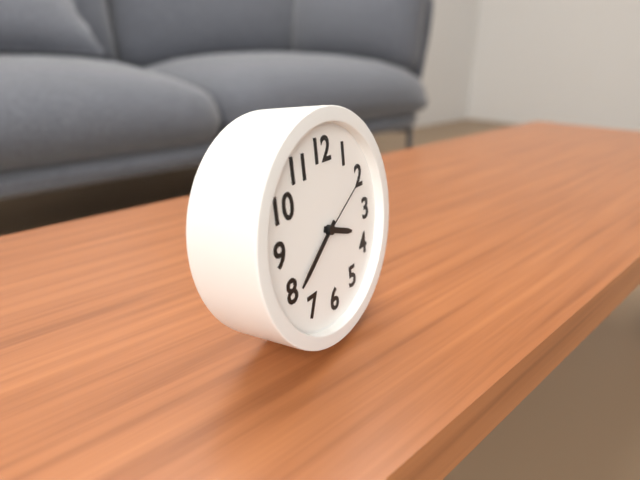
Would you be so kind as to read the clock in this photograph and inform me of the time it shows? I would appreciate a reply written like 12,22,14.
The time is 3,39,10
